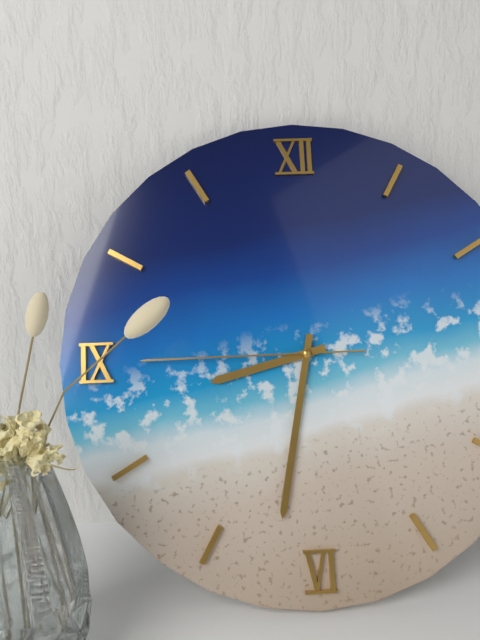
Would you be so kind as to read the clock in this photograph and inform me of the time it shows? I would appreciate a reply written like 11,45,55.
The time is 8,32,45
